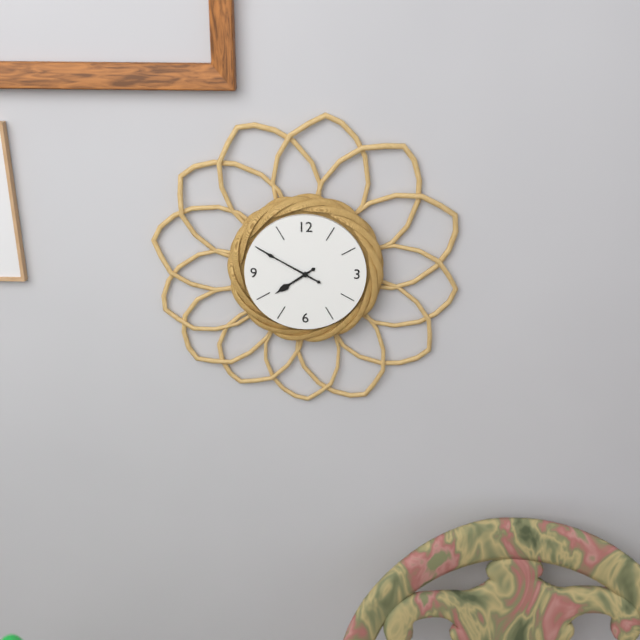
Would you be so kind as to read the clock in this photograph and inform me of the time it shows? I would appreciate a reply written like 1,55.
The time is 7,50
